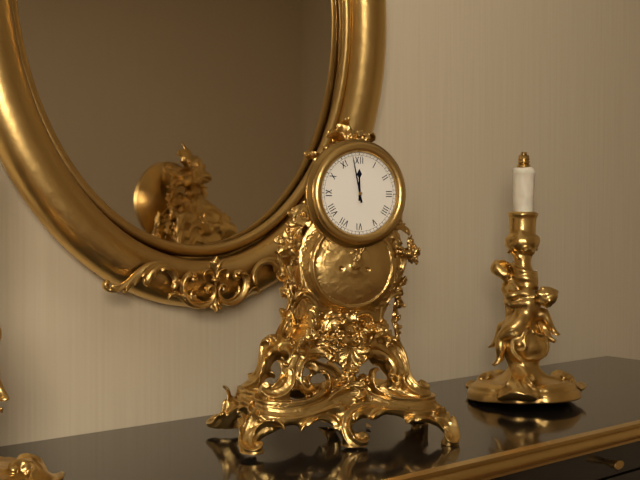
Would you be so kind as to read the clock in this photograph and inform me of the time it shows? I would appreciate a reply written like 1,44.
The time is 11,58
